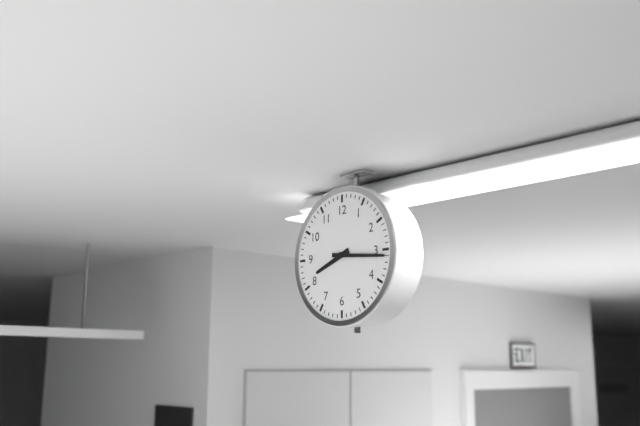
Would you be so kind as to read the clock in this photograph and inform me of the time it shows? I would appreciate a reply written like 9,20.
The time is 8,16
